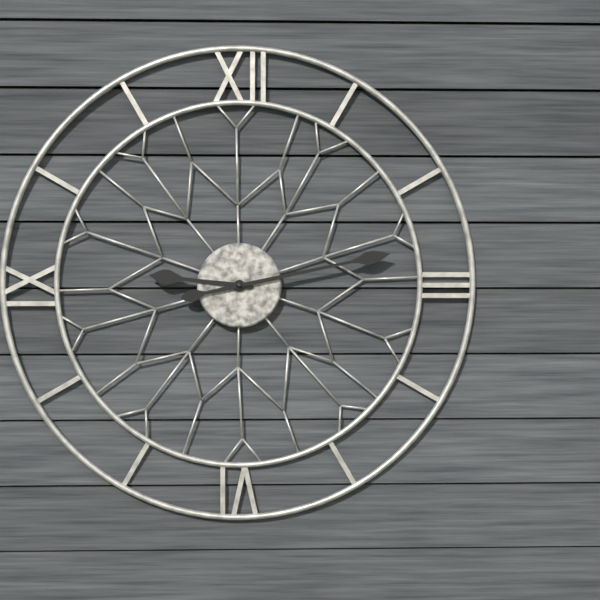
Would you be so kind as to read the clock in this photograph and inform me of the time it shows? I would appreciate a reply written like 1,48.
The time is 9,13
